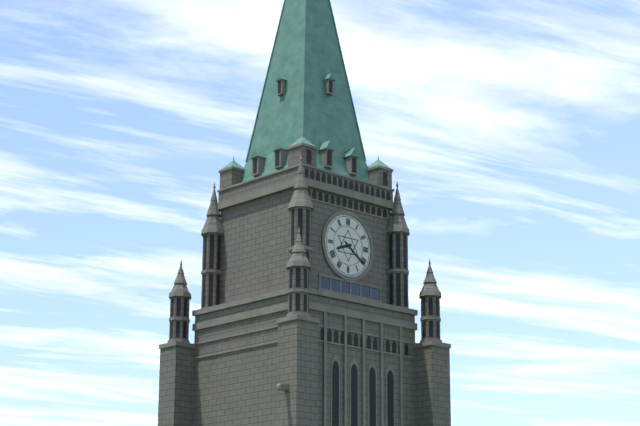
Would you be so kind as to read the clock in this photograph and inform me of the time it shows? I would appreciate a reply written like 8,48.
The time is 8,21
